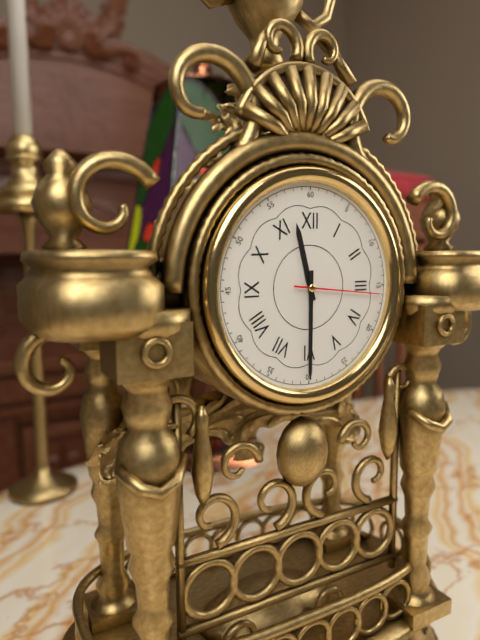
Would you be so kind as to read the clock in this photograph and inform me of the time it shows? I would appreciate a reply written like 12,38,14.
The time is 11,30,16
